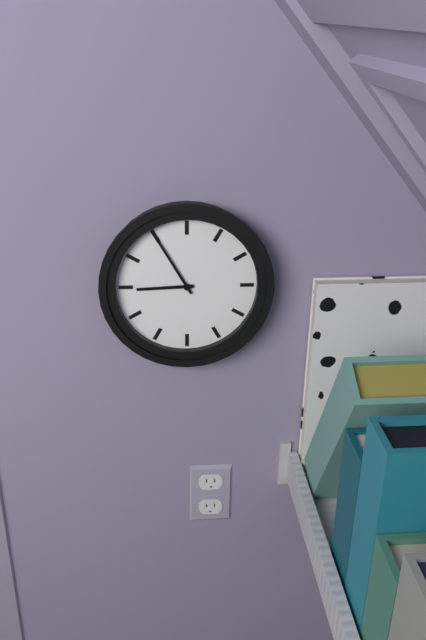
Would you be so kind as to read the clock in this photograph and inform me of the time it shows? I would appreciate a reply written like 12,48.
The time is 8,55
